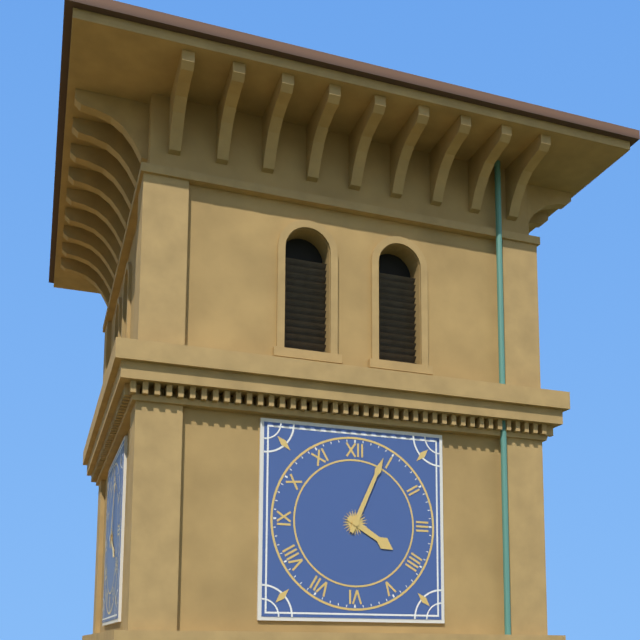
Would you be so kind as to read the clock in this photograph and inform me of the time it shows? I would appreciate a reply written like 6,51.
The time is 4,04
